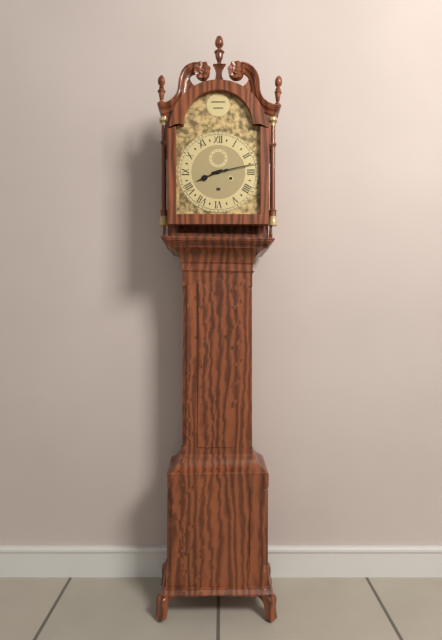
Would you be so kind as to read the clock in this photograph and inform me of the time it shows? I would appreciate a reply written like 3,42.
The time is 8,13
